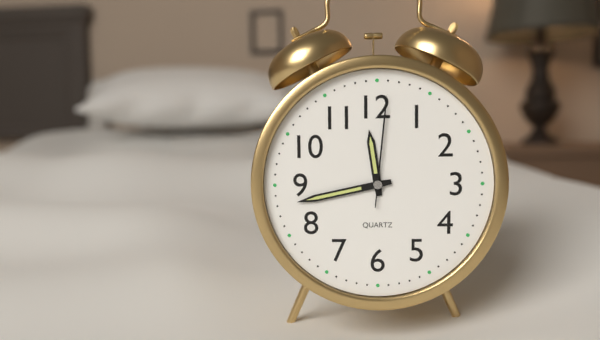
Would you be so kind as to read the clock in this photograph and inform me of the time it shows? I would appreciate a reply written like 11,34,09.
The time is 11,43,01
